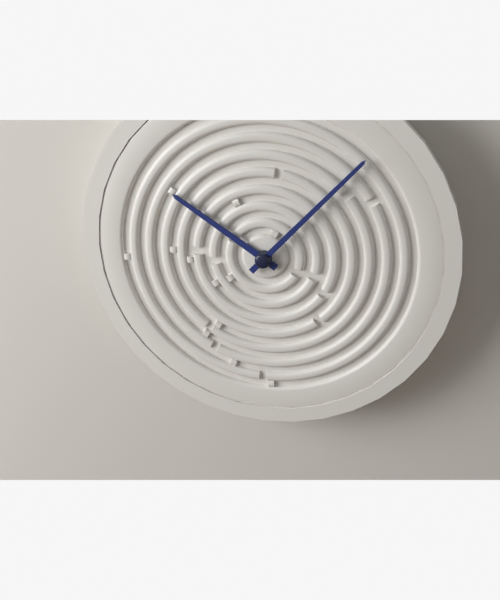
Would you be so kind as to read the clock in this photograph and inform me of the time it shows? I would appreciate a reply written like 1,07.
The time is 10,07
